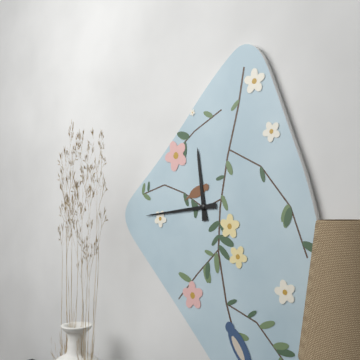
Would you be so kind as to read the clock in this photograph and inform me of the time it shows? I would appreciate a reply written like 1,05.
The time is 11,44
